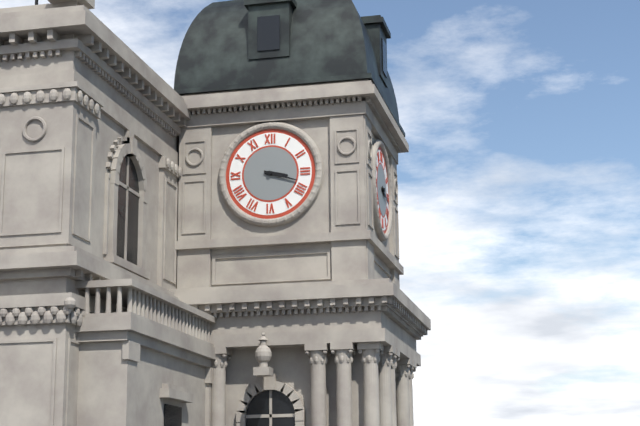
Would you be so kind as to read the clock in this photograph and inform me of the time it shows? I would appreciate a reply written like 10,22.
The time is 3,18
